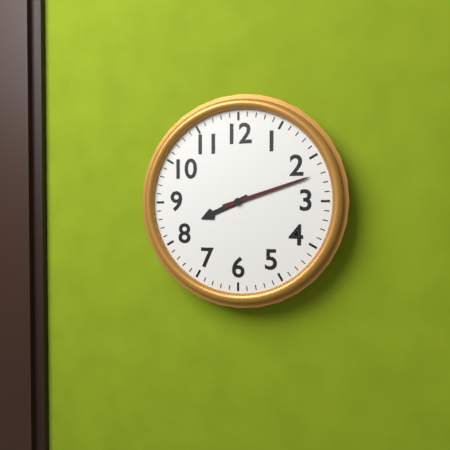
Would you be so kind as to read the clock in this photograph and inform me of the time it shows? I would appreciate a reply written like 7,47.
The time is 8,12
